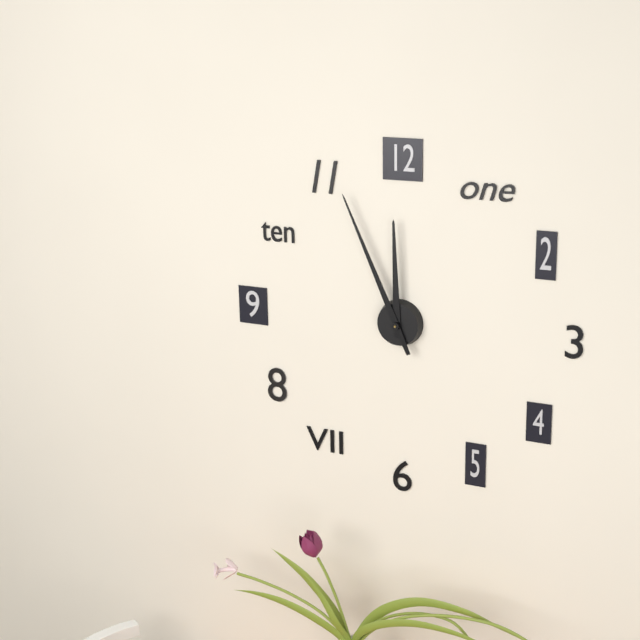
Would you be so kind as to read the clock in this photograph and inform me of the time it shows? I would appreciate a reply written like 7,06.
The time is 11,56
